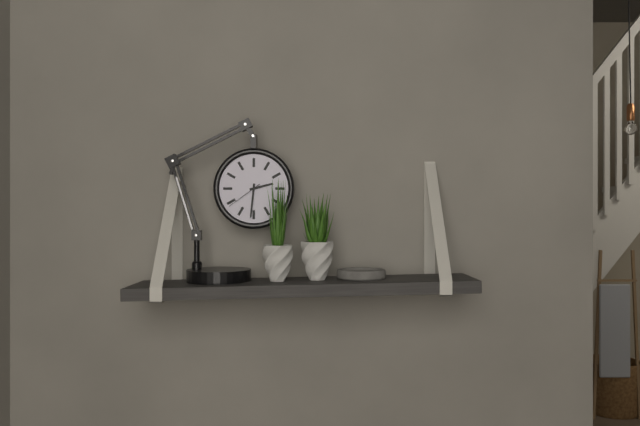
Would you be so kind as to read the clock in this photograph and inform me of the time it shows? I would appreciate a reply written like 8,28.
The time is 2,31
